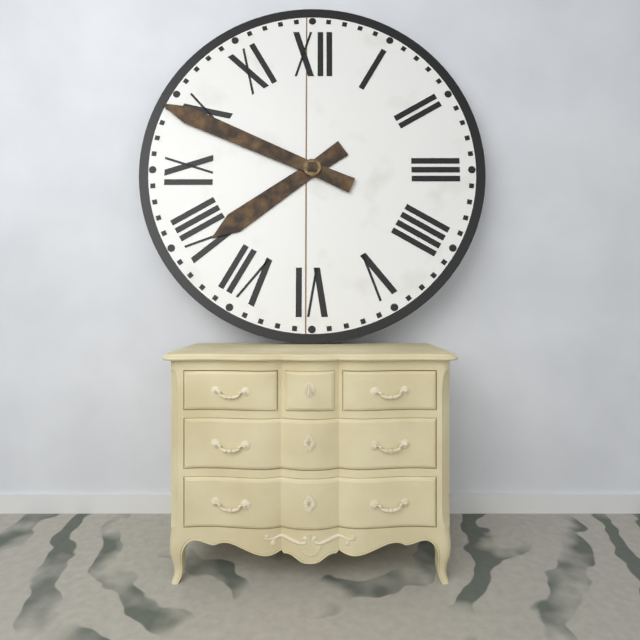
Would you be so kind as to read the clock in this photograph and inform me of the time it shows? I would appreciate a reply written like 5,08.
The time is 7,49
